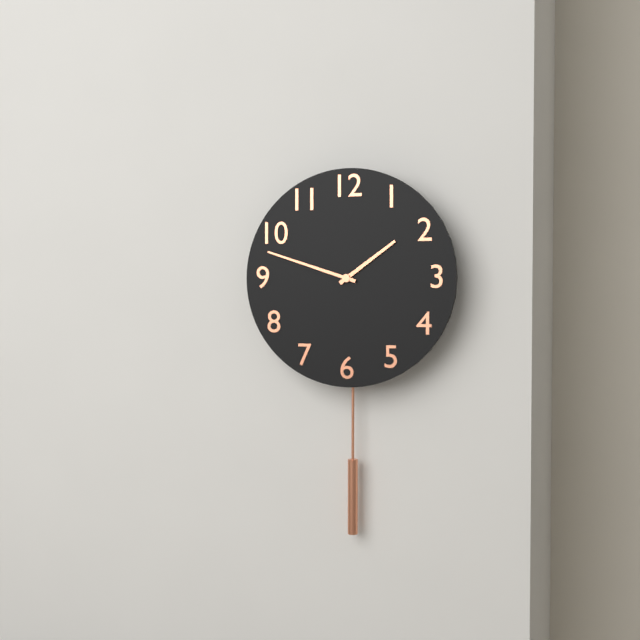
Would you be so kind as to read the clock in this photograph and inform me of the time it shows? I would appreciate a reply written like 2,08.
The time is 1,48
